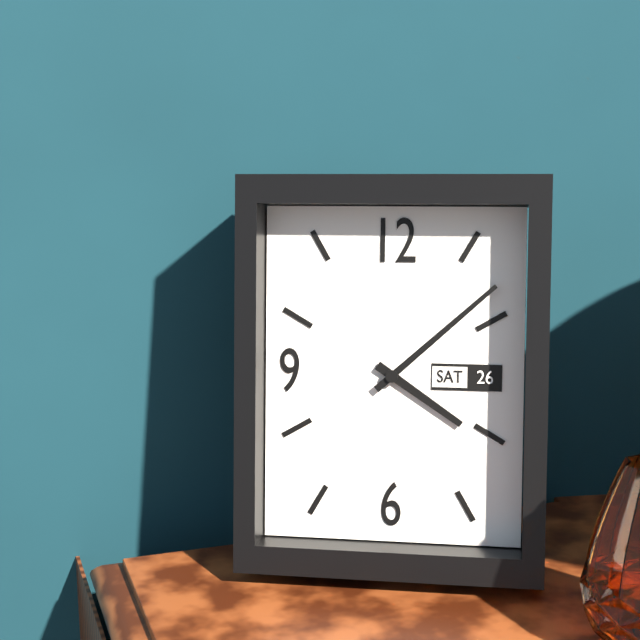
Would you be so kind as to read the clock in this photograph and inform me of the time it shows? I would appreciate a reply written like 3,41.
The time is 4,08
